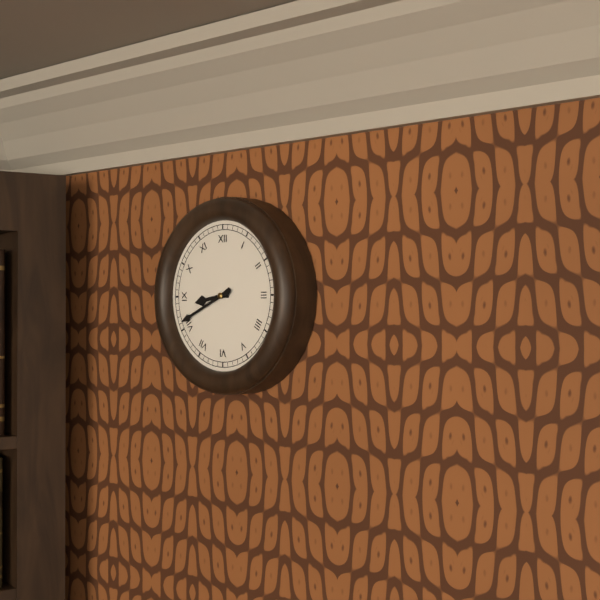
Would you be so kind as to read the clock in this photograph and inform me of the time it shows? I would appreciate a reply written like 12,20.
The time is 8,41
